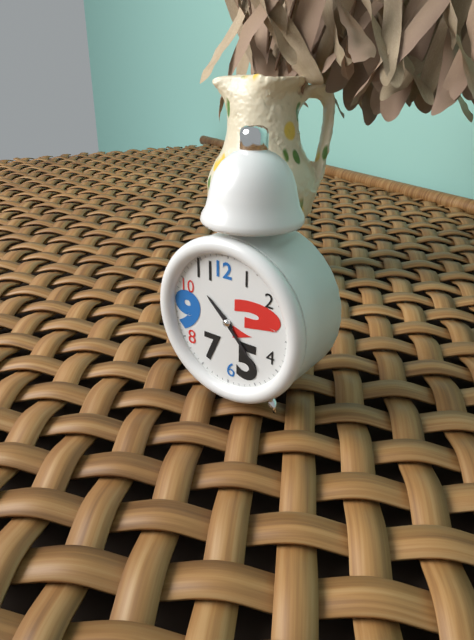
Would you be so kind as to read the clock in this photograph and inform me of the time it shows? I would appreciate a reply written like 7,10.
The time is 10,23
